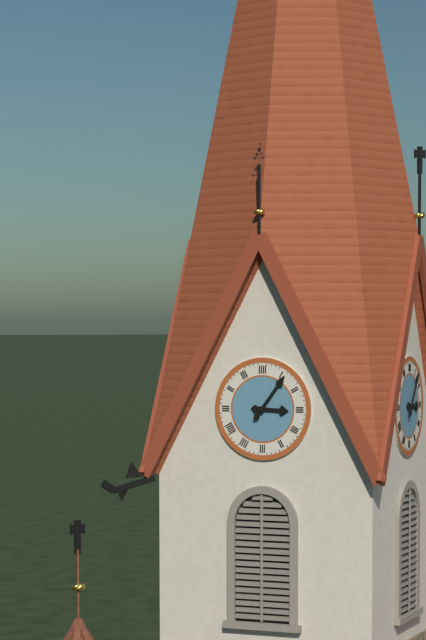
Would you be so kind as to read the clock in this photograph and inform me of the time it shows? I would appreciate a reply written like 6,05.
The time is 3,06
